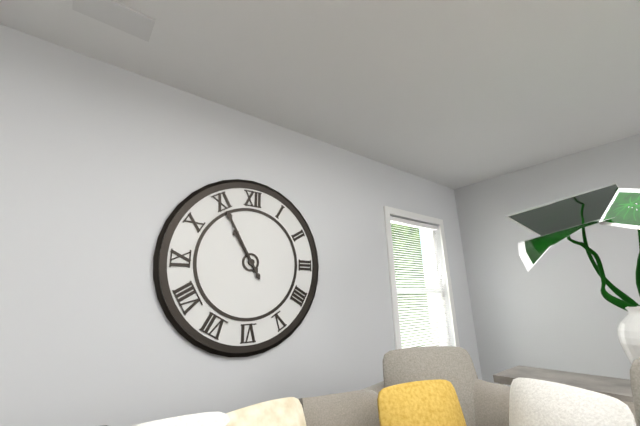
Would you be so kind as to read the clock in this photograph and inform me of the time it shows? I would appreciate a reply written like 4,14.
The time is 10,55
